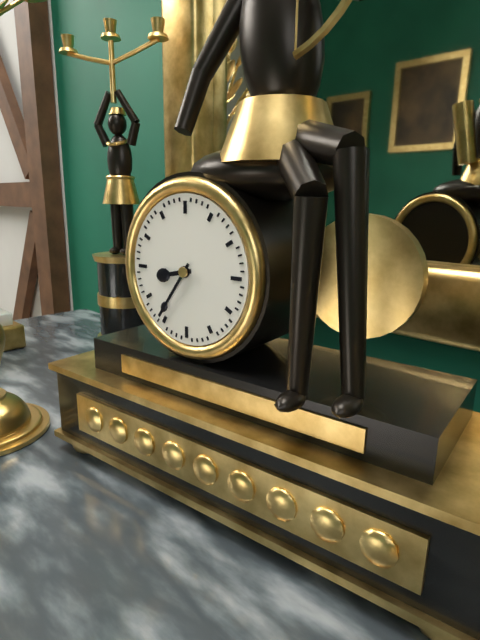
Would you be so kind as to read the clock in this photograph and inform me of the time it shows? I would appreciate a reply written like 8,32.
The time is 8,36
